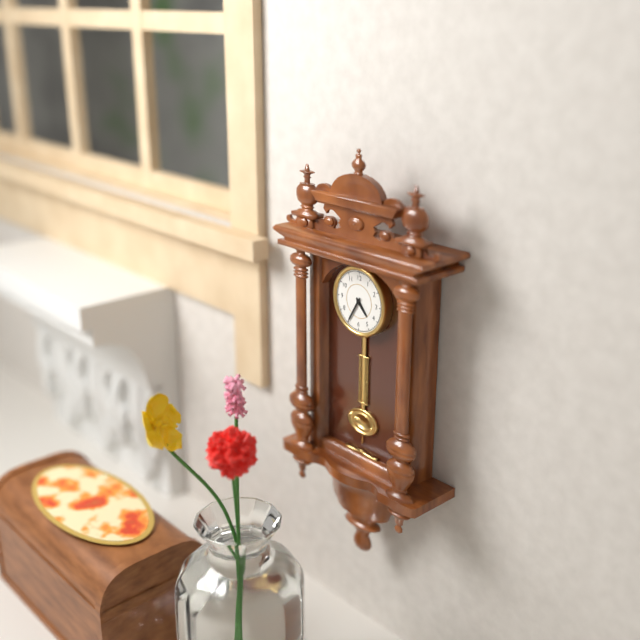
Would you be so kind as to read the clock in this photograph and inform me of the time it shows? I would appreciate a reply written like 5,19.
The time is 4,35
